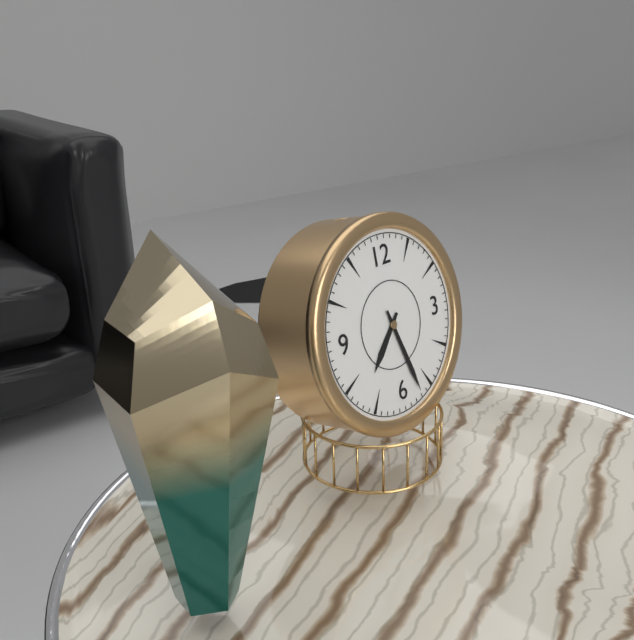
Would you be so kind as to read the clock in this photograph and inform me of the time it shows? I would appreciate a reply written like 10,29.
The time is 7,27
